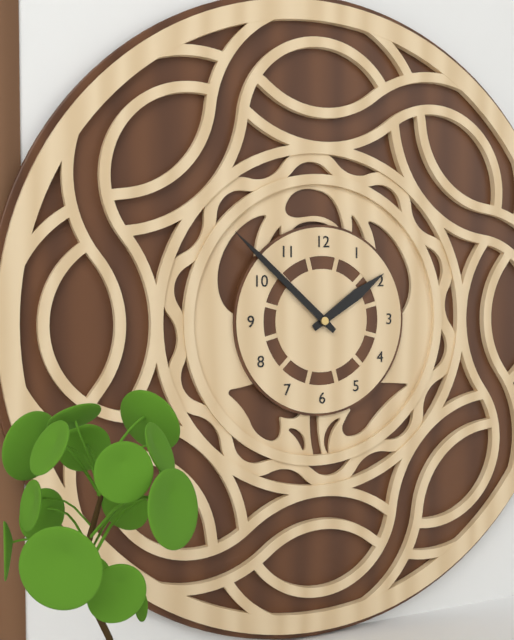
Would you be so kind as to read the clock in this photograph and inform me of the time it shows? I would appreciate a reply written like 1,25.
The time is 1,52
